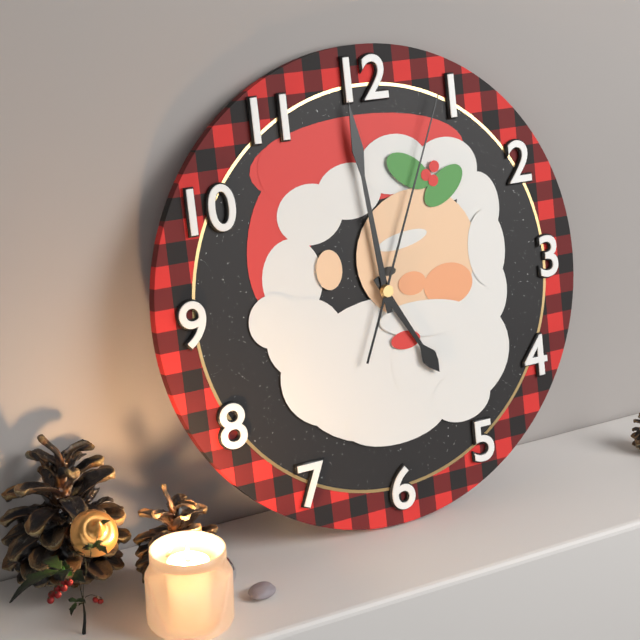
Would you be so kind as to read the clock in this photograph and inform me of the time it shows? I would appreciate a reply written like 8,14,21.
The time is 4,59,04
